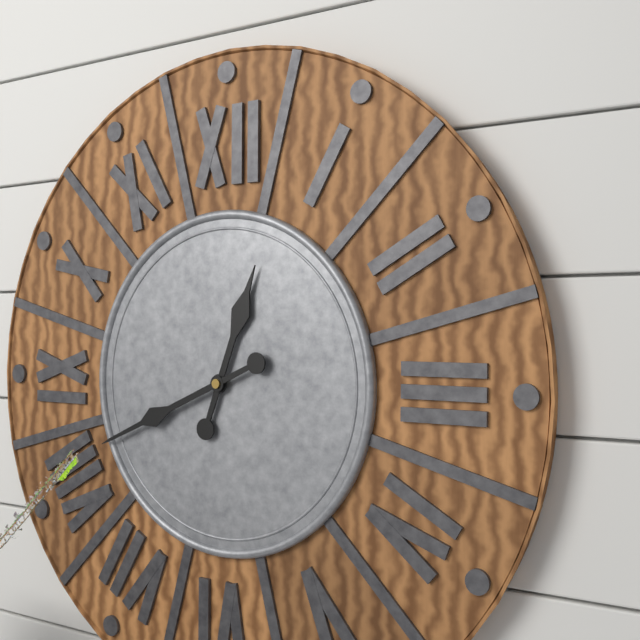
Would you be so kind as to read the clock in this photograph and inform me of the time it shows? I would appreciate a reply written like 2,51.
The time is 12,41
